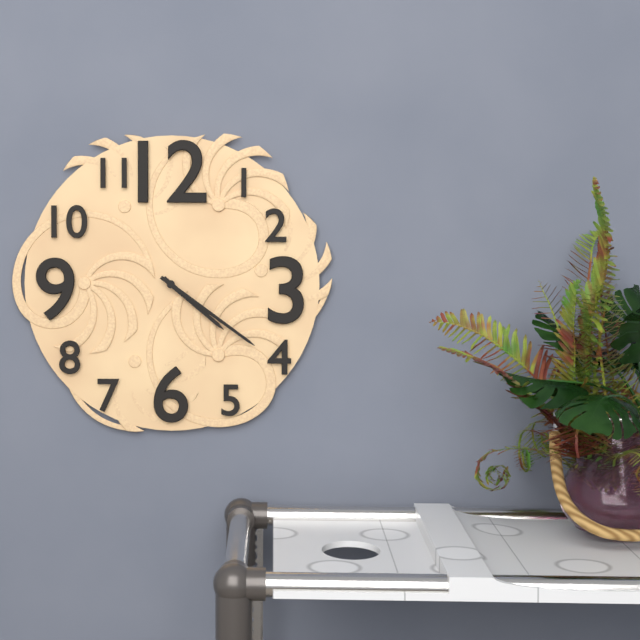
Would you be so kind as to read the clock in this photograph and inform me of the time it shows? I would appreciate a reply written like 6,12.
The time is 4,21
